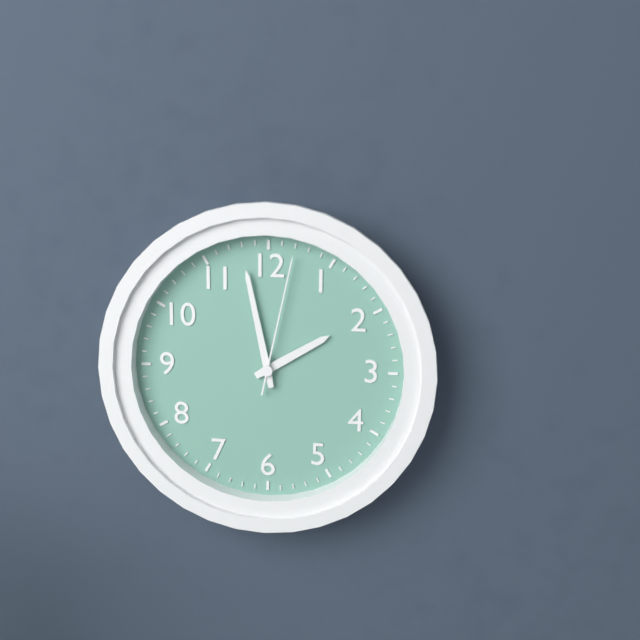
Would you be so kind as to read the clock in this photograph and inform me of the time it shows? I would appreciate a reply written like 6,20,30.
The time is 1,58,02
